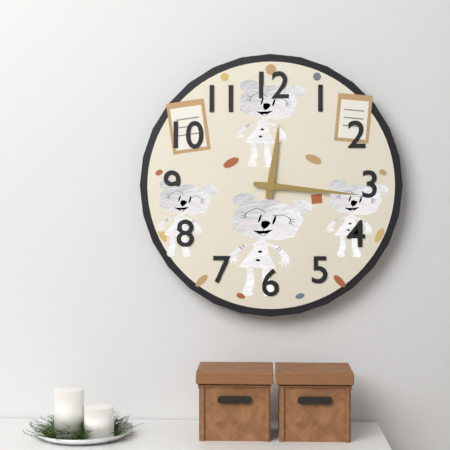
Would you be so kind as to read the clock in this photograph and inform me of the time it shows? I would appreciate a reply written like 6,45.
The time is 12,16
